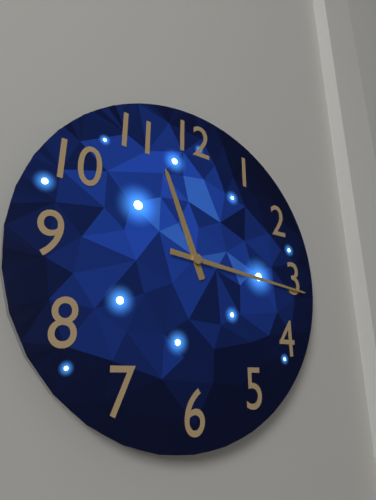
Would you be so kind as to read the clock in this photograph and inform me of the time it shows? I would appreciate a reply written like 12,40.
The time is 11,16
